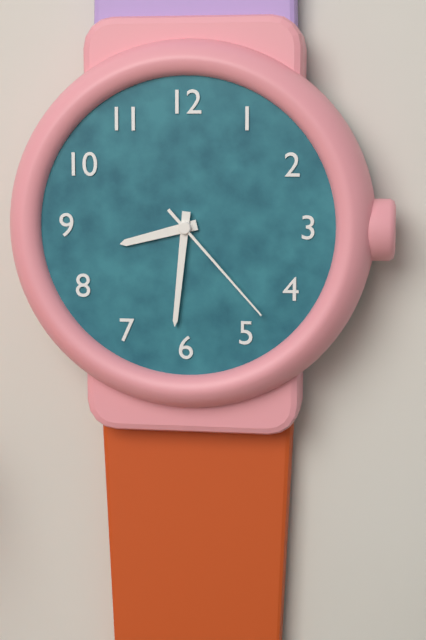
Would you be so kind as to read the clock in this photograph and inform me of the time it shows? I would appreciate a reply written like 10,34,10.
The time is 8,31,23
